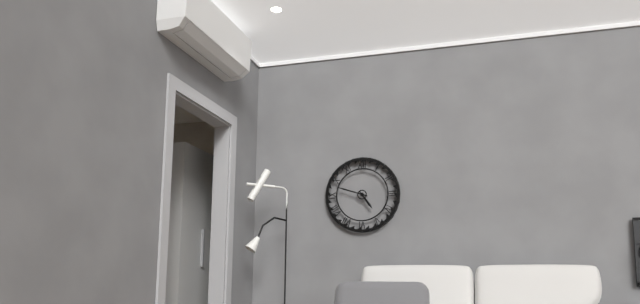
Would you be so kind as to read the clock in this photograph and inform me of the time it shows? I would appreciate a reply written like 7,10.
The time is 4,48
